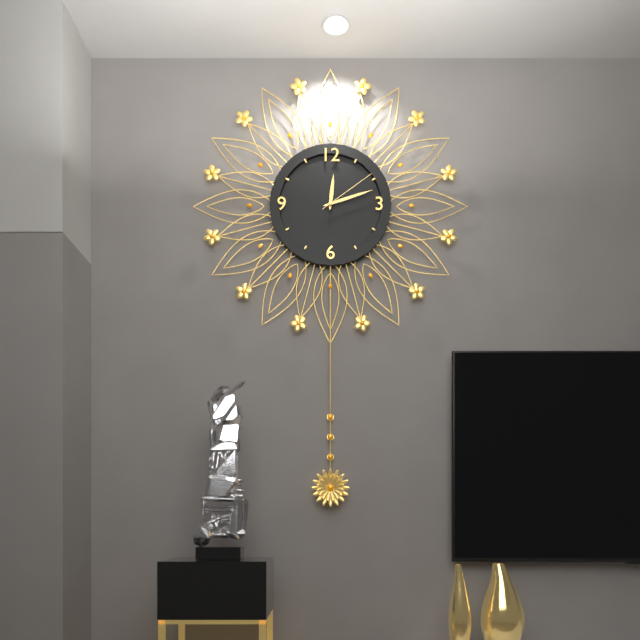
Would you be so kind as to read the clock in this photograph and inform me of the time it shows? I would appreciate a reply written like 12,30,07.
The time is 12,12,09
